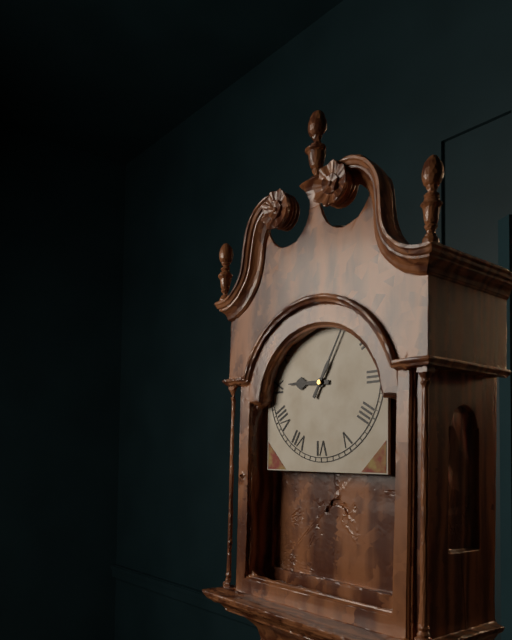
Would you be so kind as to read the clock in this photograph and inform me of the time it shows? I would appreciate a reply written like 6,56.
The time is 9,05
